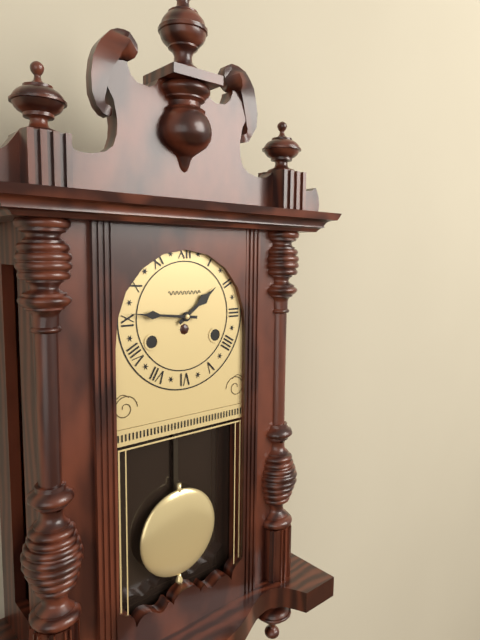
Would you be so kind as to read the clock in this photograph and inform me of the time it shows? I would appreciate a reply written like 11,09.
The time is 1,46
